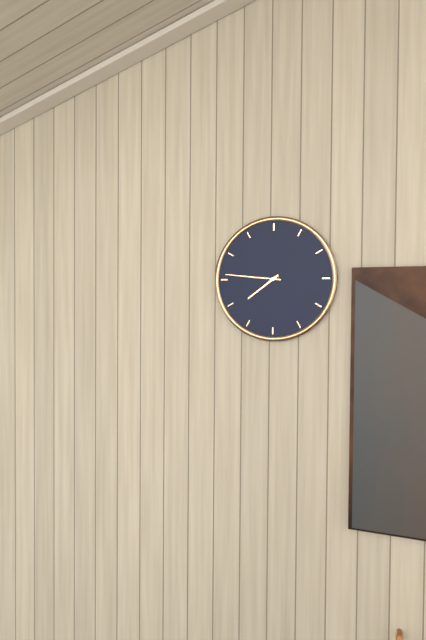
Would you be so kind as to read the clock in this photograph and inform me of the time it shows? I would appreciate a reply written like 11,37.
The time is 7,46
